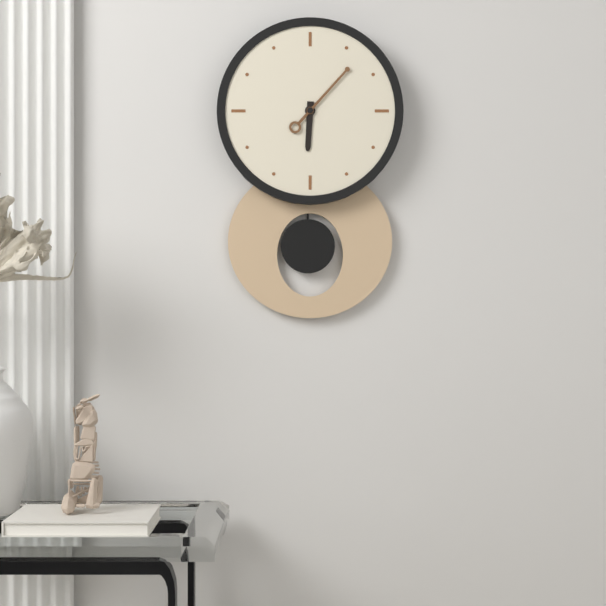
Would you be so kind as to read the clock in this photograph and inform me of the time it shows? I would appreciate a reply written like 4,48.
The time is 6,07
